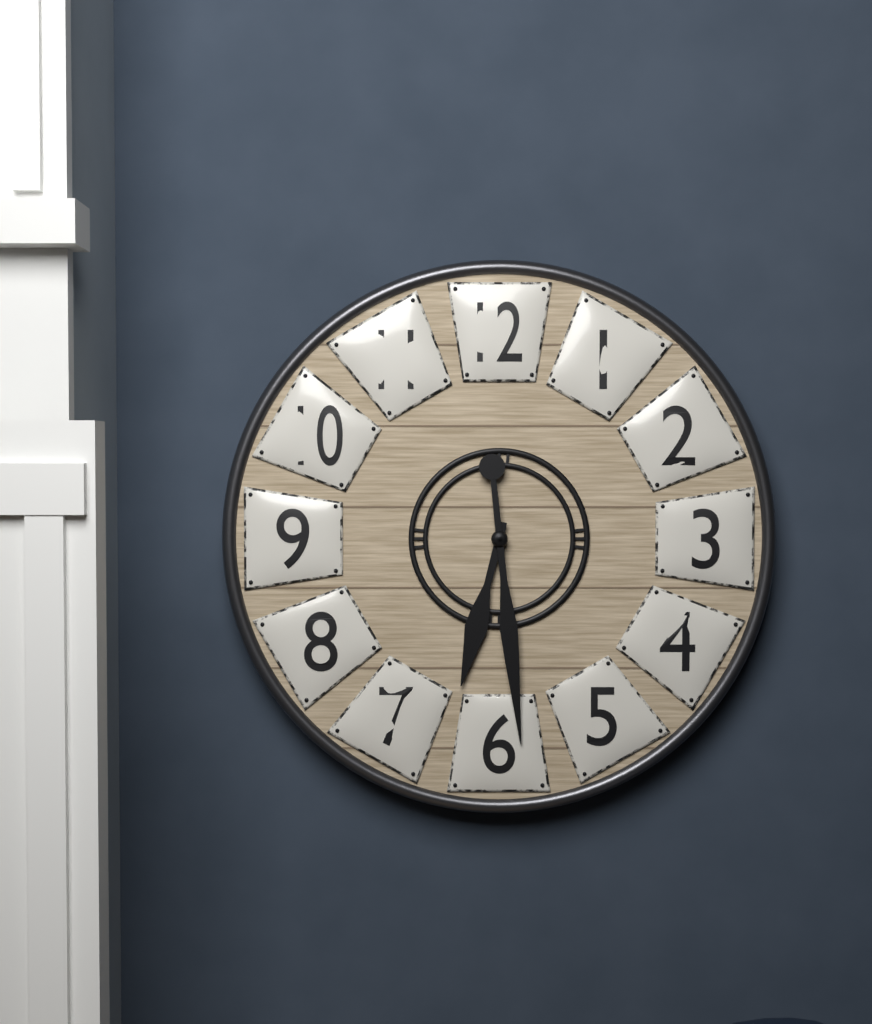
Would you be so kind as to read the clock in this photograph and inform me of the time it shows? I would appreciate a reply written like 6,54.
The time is 6,29
